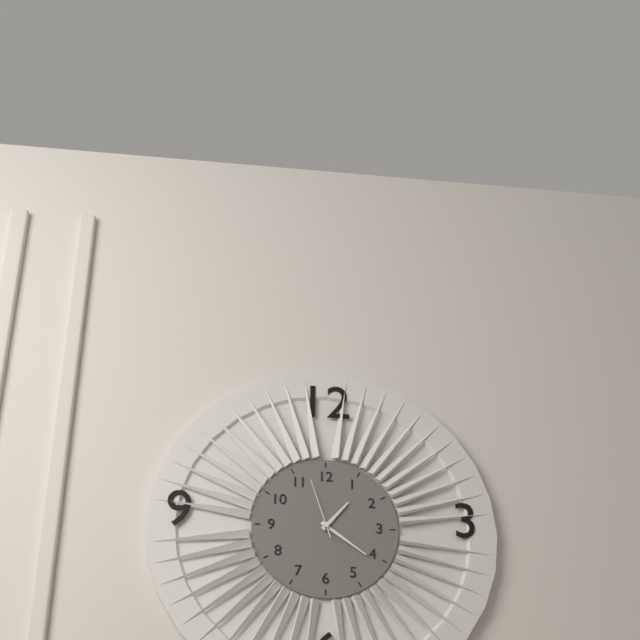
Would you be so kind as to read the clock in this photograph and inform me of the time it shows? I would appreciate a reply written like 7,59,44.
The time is 1,21,57
